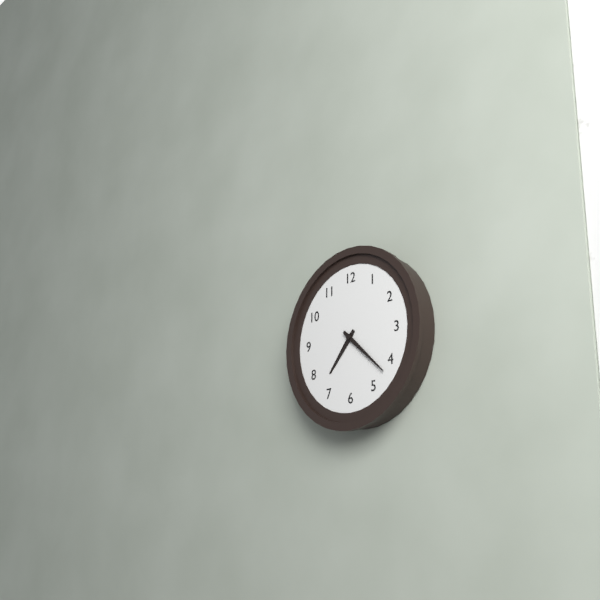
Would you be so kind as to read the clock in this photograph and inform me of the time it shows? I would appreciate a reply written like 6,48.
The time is 7,22
